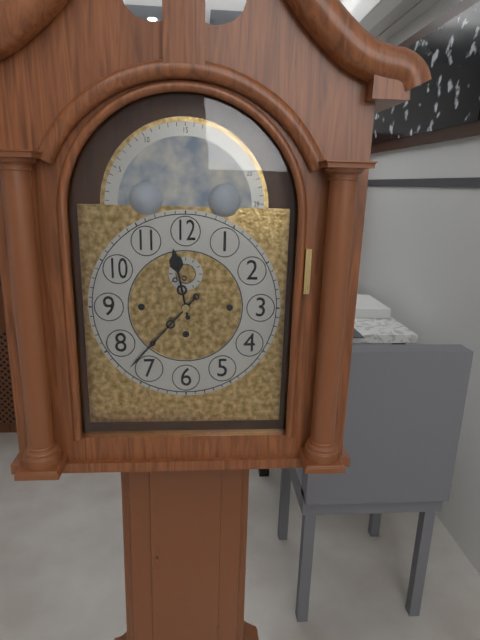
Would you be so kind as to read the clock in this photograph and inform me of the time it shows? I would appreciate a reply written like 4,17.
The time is 11,37
